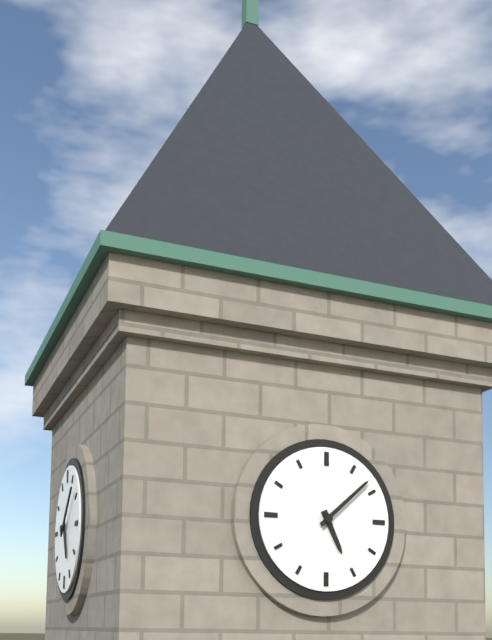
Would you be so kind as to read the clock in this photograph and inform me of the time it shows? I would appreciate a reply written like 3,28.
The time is 5,08
